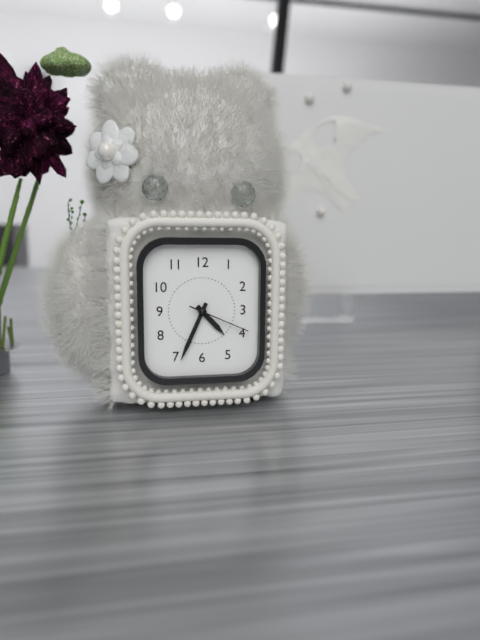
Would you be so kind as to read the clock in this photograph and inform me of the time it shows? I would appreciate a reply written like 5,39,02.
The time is 4,34,19
